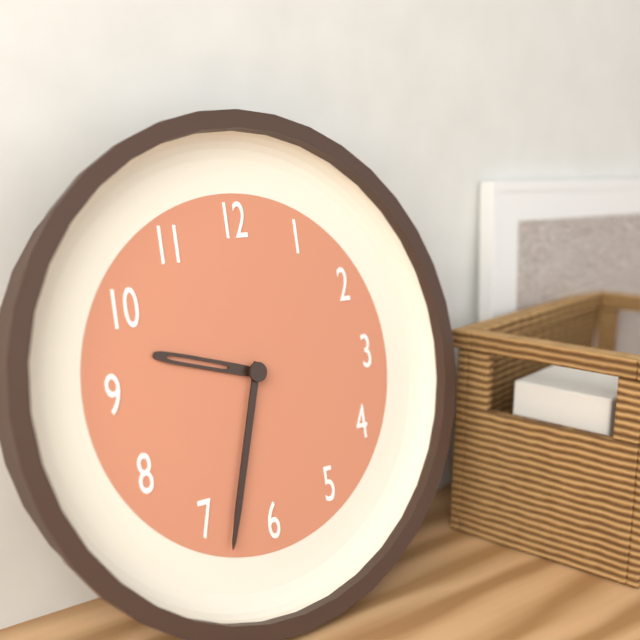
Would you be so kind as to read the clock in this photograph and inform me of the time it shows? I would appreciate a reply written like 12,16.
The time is 9,33
